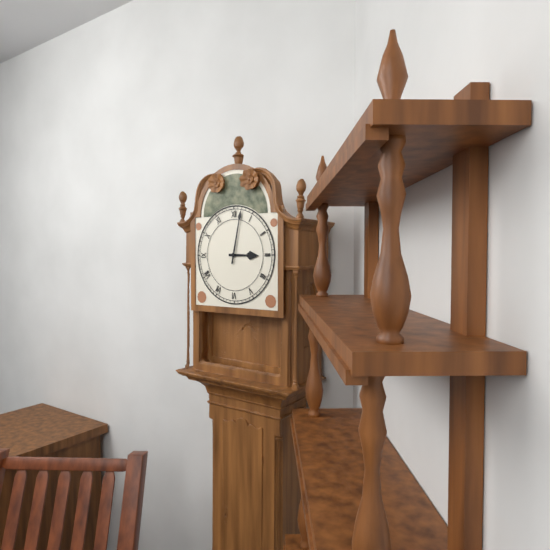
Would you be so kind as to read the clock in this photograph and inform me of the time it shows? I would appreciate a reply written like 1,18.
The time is 3,02
